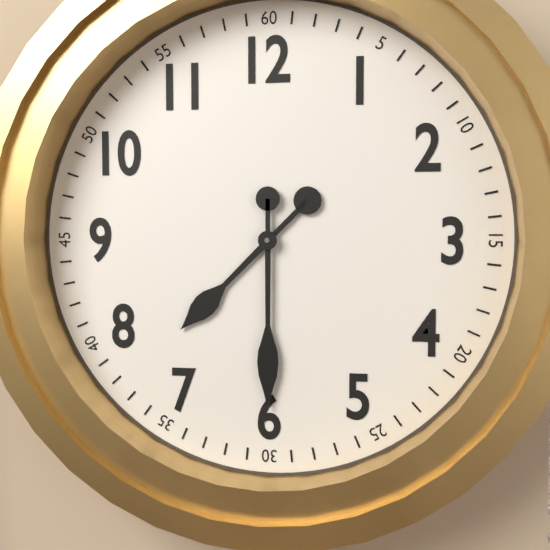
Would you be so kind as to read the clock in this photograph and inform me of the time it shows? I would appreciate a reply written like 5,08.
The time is 7,30
